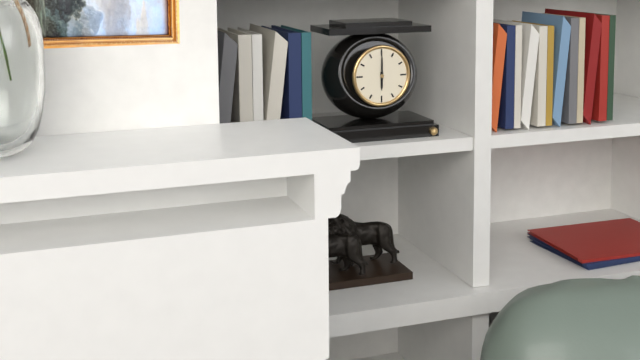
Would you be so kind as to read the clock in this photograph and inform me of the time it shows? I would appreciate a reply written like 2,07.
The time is 6,00
